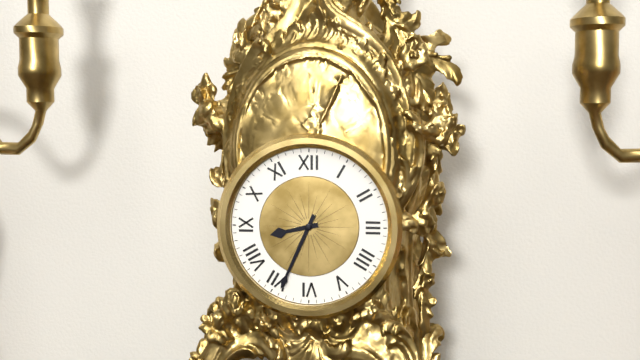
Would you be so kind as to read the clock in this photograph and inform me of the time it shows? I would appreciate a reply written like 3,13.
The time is 8,34
